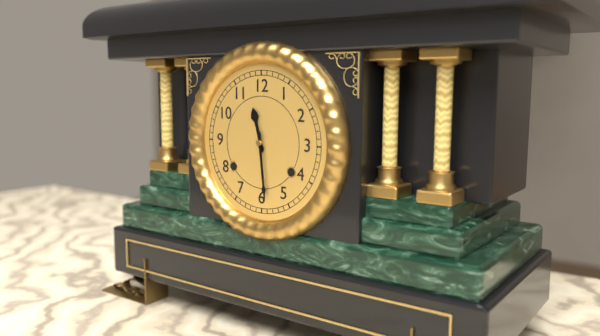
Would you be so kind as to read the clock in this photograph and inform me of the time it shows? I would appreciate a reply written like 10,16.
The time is 11,29
